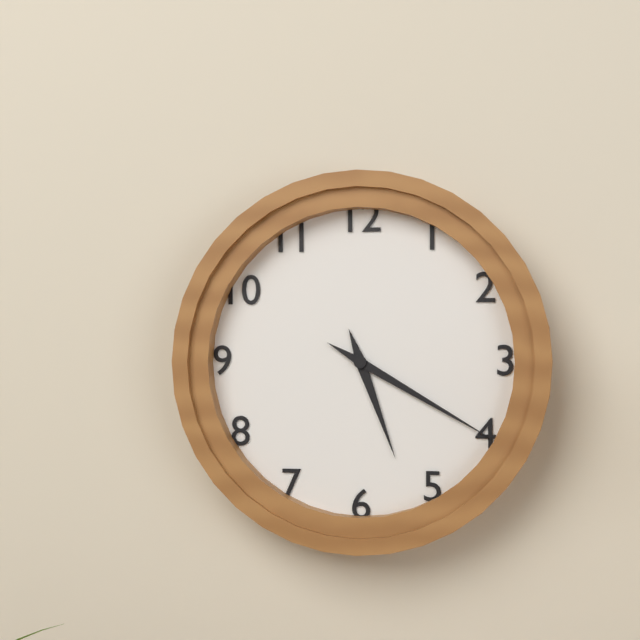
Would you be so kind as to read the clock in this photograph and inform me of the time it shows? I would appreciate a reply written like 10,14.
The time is 5,20
